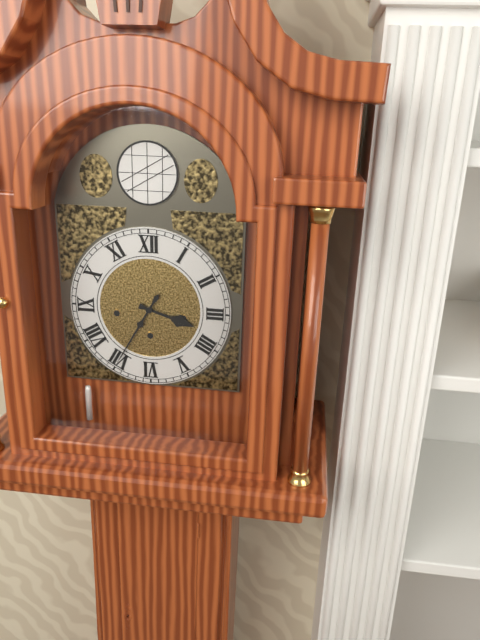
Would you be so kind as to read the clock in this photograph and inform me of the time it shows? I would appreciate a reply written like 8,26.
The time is 3,35
